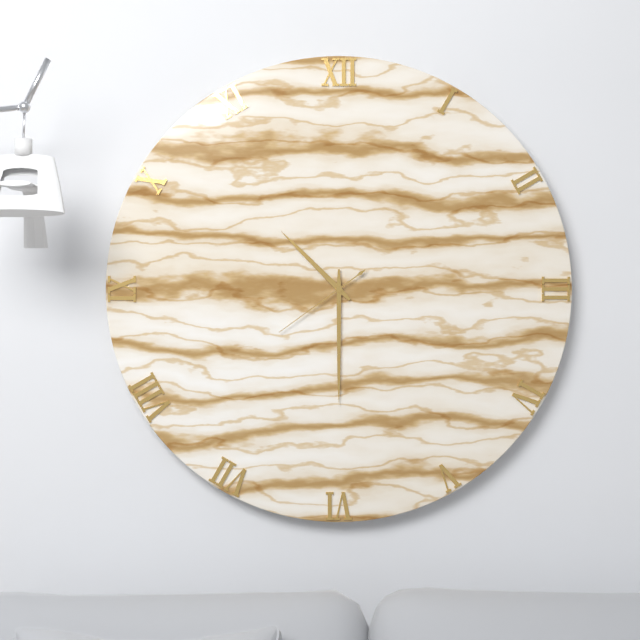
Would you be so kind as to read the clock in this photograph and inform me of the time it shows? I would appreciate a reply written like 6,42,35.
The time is 10,30,39
